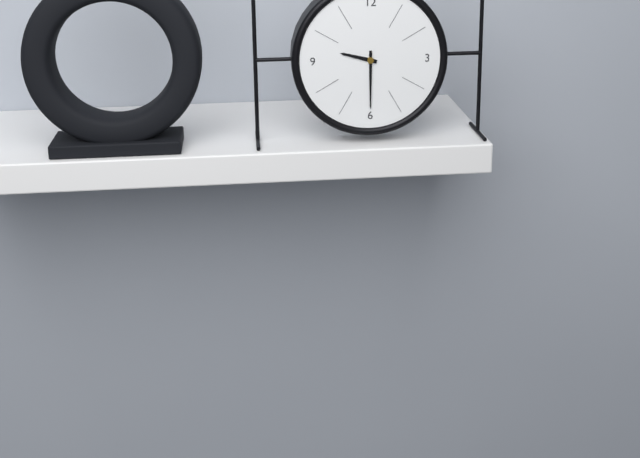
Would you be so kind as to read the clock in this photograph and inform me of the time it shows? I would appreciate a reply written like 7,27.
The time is 9,30
